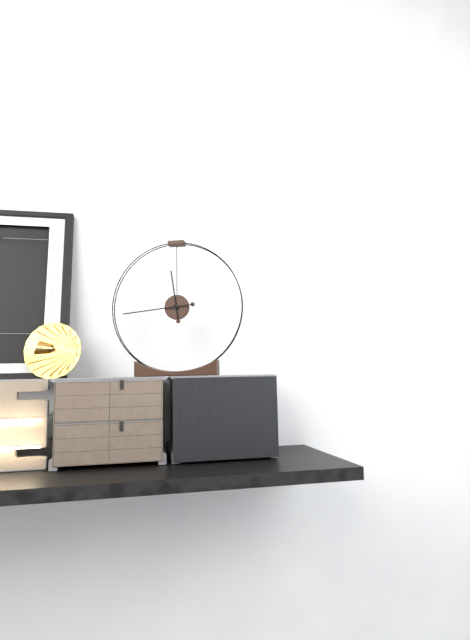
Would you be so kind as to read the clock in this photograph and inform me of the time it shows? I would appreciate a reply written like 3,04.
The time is 11,44
